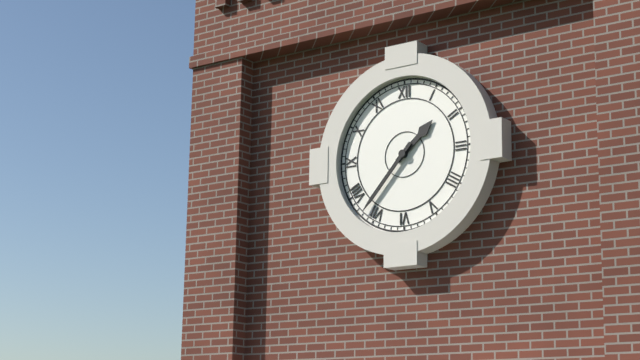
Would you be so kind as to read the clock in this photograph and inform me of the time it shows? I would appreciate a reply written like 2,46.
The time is 1,37
